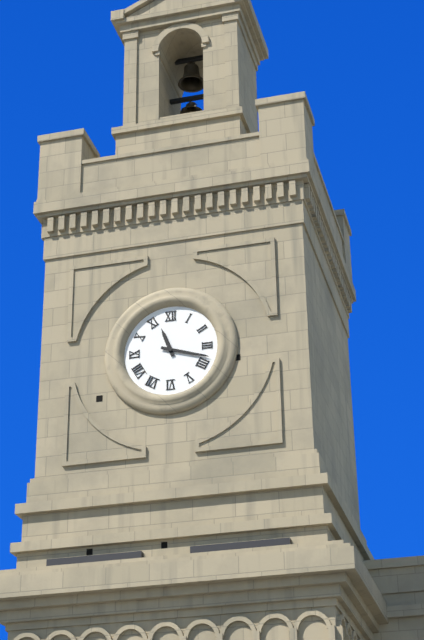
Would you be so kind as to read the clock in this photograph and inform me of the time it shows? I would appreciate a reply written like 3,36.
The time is 11,18
